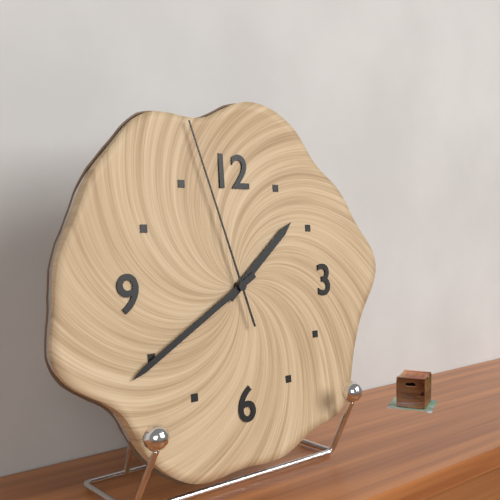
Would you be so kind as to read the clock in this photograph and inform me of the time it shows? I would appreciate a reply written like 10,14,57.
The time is 1,40,57
